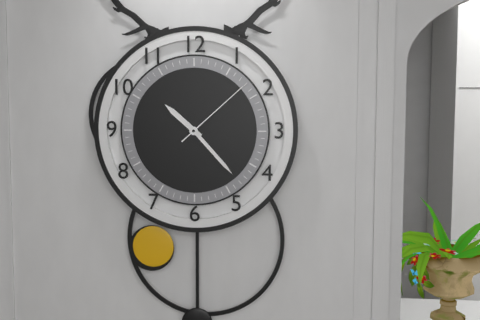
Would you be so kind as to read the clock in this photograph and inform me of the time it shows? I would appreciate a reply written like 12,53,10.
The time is 10,23,08
